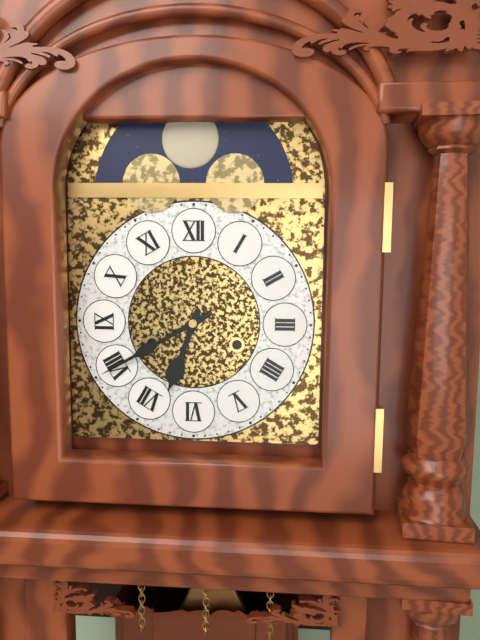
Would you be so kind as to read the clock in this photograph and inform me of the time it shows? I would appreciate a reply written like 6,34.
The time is 6,40
